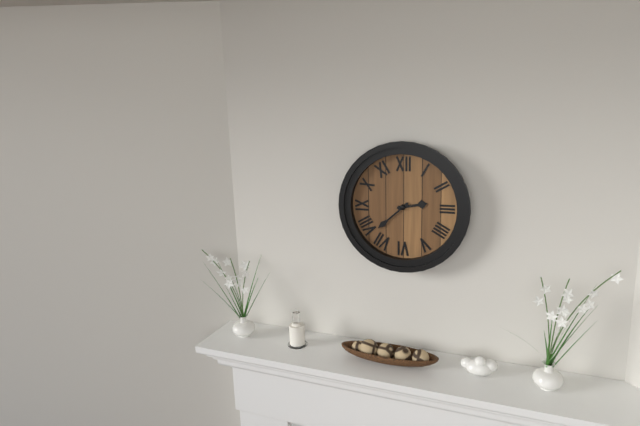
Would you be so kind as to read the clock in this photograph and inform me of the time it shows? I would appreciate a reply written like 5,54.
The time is 2,38
